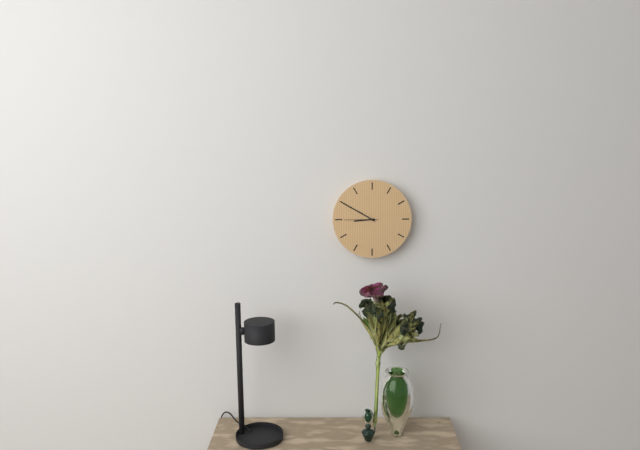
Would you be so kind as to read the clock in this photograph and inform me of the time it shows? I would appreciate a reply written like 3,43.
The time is 8,50
